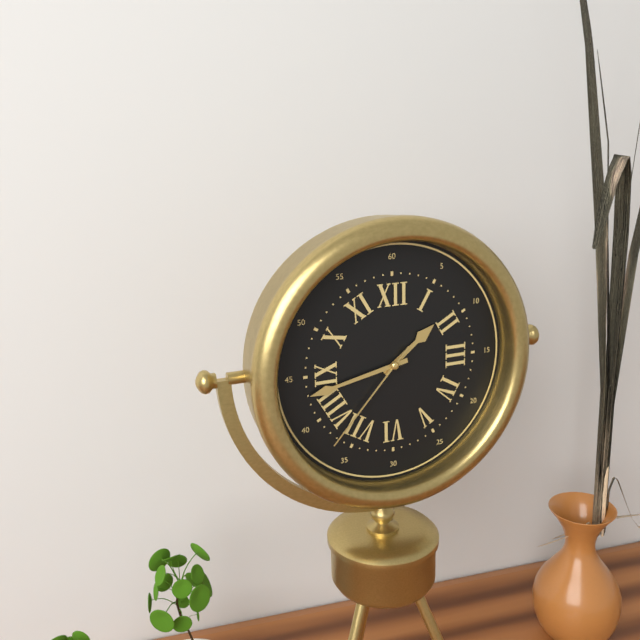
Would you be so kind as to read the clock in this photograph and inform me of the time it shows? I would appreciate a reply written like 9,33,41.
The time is 1,43,37
